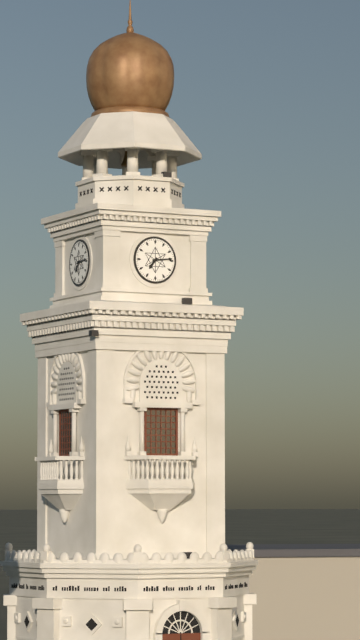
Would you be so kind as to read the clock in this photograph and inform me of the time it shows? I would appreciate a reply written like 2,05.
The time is 7,14
